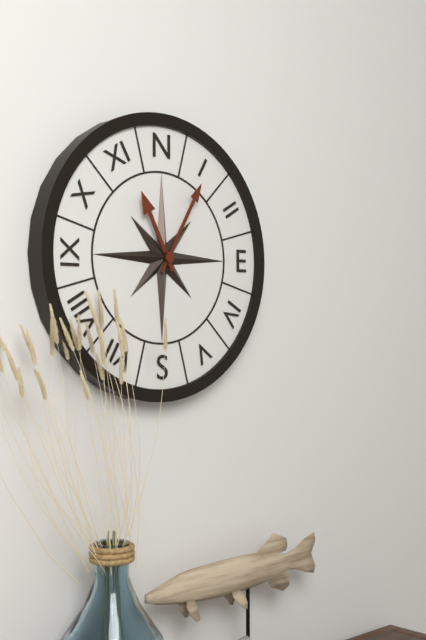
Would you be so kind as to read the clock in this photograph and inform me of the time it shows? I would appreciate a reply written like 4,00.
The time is 11,05
